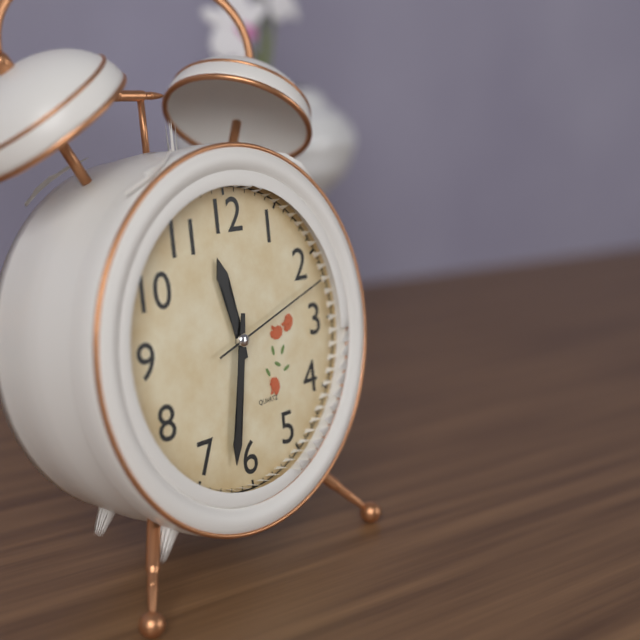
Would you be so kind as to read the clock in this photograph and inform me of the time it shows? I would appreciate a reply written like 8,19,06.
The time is 11,32,12
